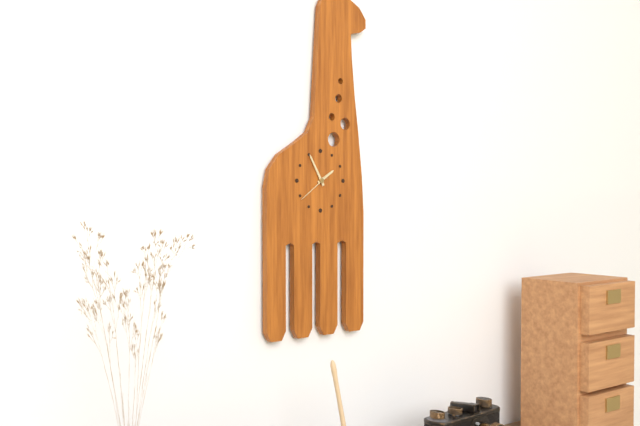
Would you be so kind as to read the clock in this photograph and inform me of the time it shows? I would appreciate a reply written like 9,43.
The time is 1,55
